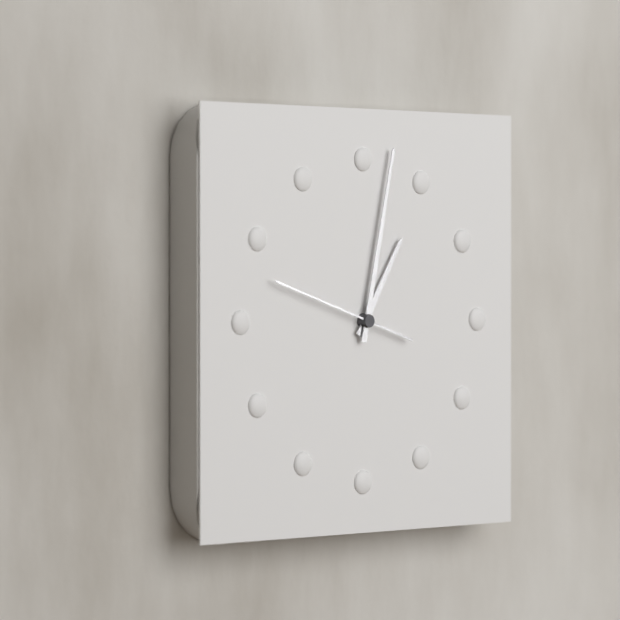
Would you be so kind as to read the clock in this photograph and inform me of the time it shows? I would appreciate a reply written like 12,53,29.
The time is 1,02,48
